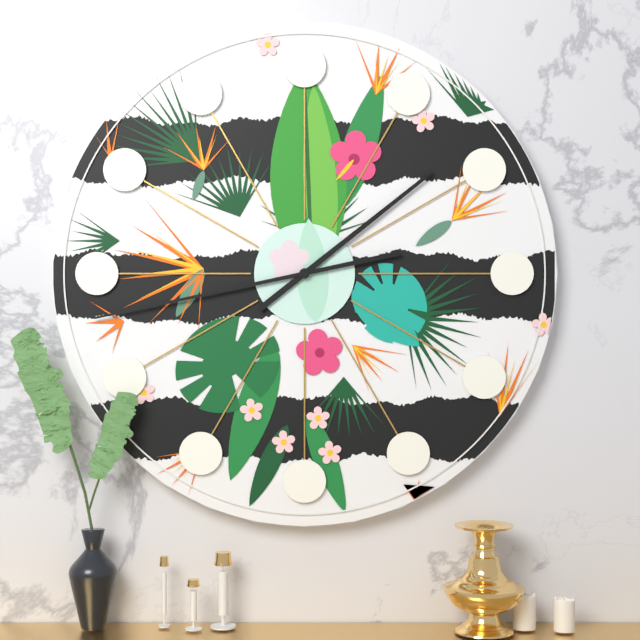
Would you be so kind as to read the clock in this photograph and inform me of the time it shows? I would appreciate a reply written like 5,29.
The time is 1,43
